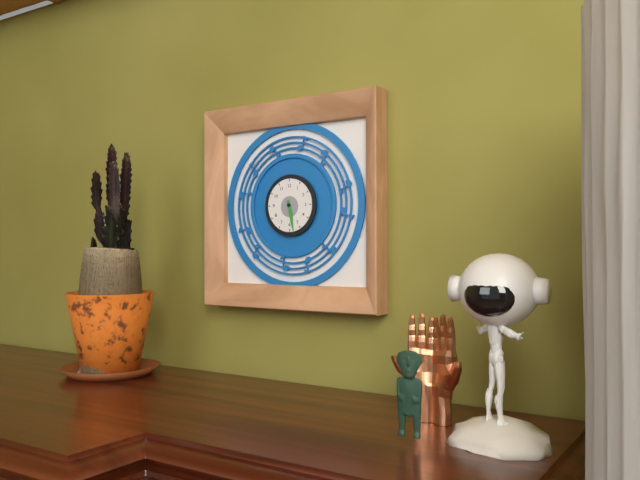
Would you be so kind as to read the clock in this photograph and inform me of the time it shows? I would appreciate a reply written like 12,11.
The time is 5,28
